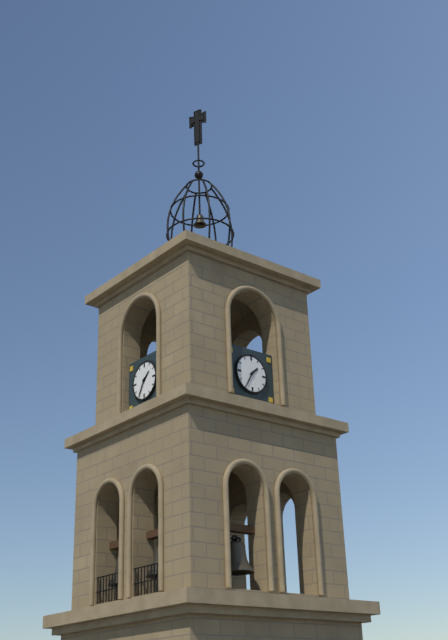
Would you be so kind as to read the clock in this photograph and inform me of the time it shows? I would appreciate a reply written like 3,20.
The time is 1,35
